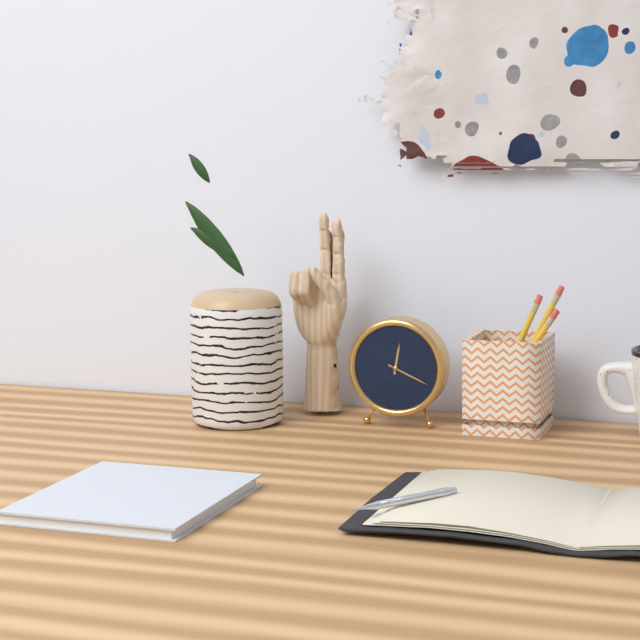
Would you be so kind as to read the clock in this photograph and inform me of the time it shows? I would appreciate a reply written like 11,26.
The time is 12,19
